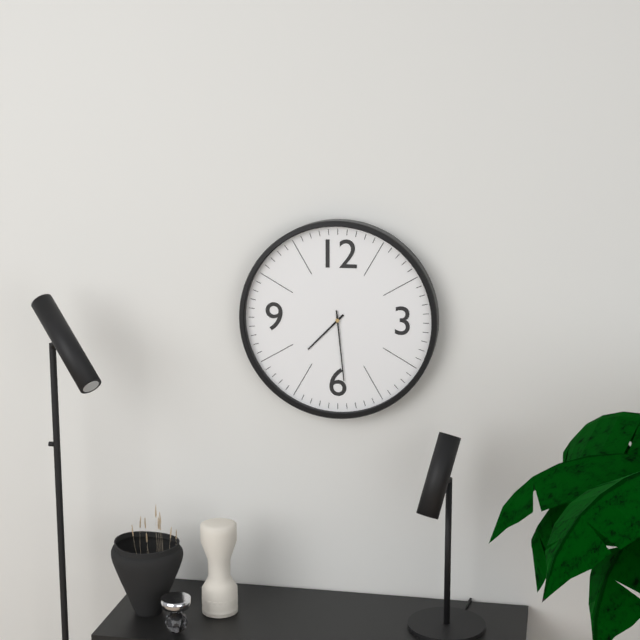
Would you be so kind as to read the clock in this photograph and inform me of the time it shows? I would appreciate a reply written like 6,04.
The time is 7,29
